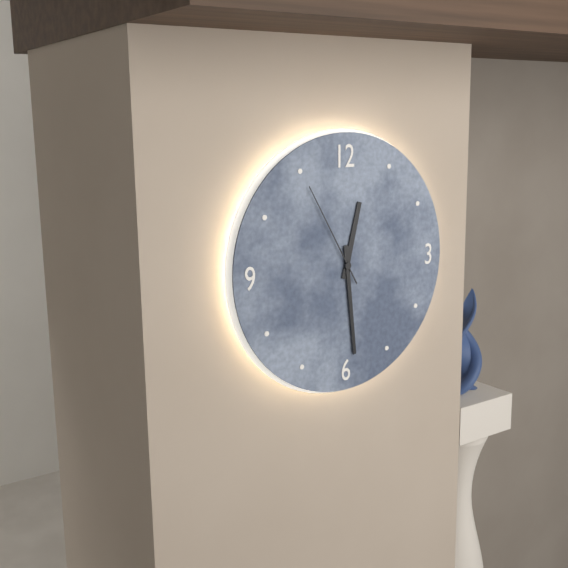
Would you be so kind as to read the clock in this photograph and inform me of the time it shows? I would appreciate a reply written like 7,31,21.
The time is 12,29,55
